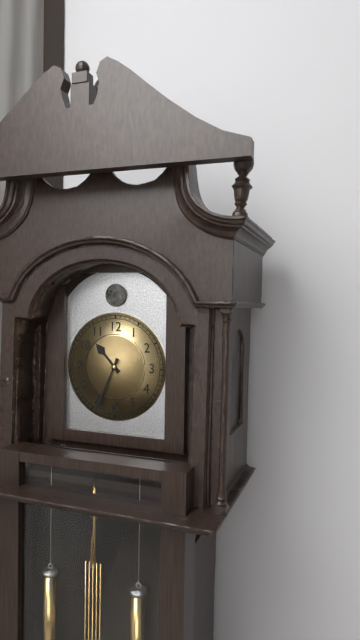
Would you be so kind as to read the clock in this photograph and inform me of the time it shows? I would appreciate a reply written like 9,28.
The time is 10,34
